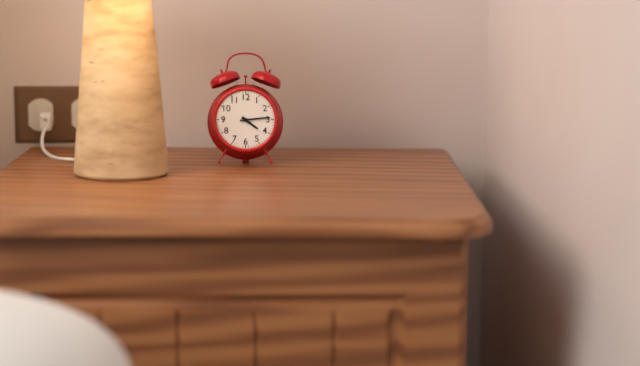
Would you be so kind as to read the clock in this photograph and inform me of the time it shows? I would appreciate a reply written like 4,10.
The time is 4,14
